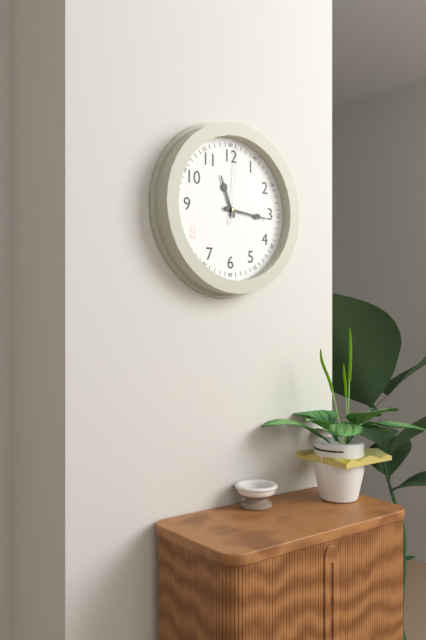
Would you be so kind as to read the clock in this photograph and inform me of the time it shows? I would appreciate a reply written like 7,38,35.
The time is 11,16,01
